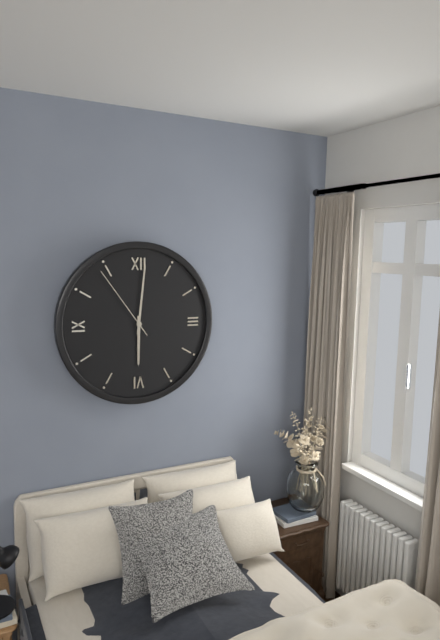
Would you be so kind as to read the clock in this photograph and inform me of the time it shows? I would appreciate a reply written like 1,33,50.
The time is 6,01,54
